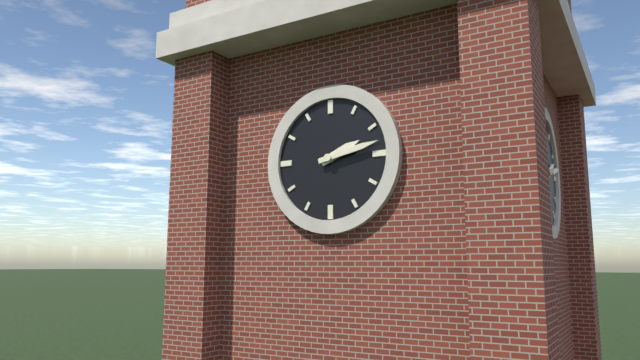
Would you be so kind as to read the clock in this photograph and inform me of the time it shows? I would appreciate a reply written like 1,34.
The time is 2,13
